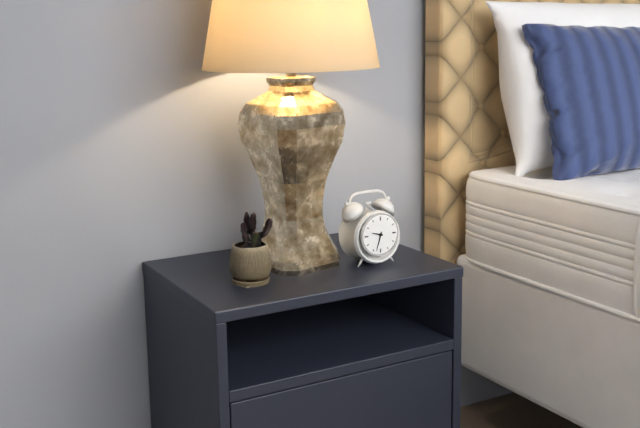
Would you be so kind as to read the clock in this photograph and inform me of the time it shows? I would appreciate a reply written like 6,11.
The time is 9,33
